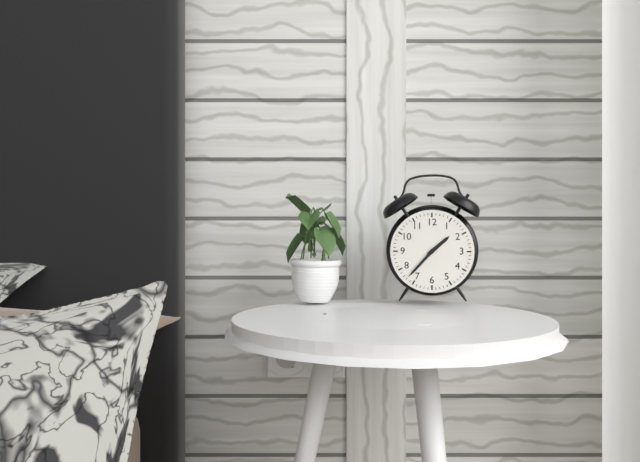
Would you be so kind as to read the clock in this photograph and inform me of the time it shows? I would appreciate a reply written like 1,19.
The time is 1,37
